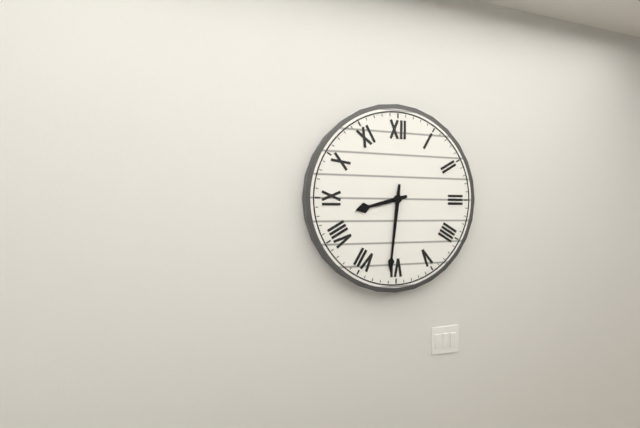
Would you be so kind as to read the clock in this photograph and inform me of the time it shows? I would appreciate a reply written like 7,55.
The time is 8,31
